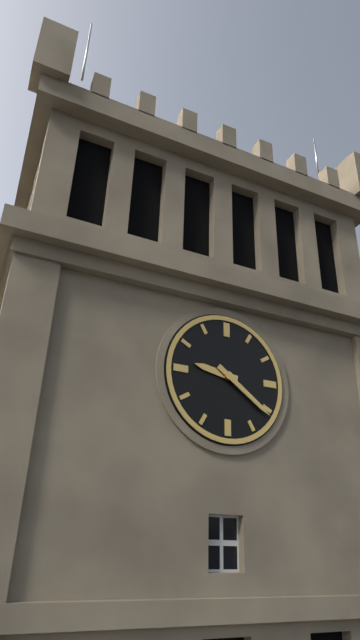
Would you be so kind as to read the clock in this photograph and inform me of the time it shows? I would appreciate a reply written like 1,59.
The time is 9,21
